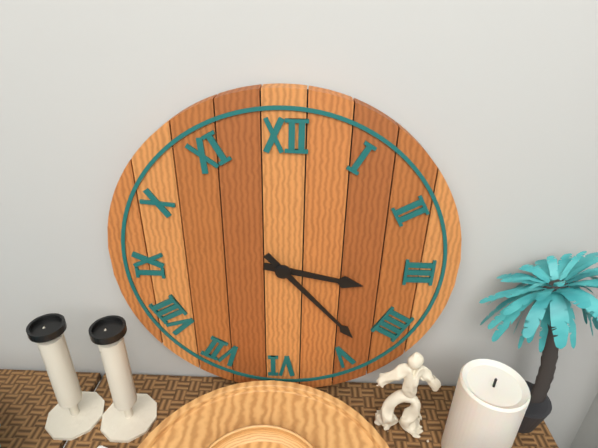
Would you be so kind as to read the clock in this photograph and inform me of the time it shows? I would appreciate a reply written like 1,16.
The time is 3,23
